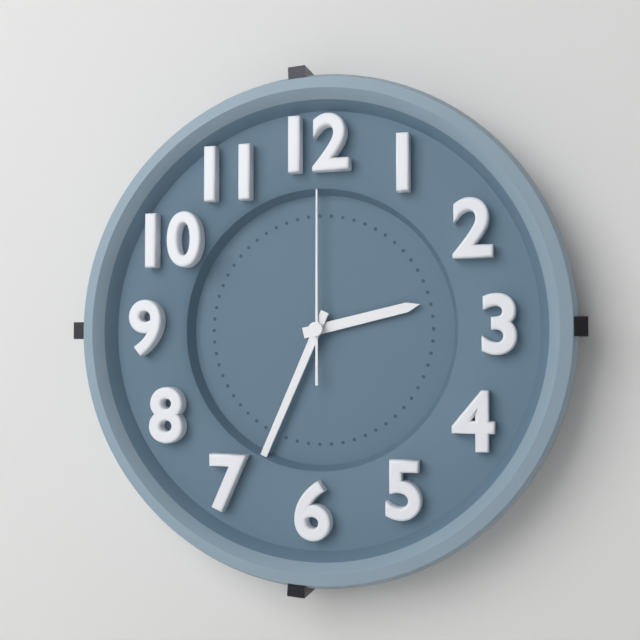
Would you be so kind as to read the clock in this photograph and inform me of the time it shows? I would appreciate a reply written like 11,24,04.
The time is 2,34,00
